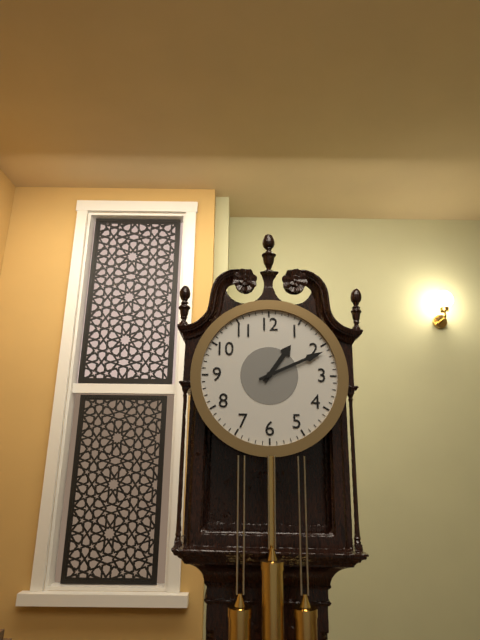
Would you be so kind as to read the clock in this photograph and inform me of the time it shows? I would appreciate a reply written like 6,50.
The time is 1,11
